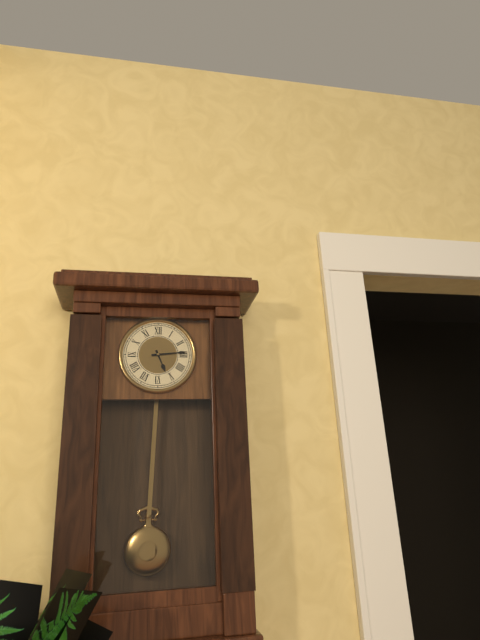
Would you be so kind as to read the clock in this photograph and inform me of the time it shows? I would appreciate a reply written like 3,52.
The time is 5,14
